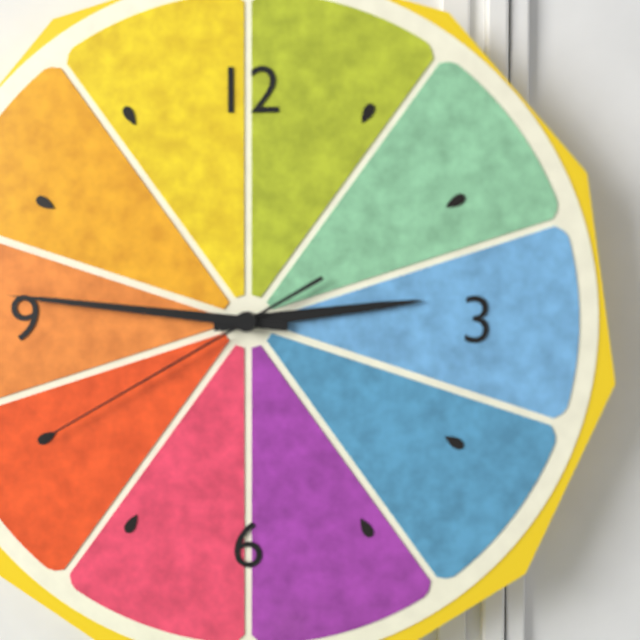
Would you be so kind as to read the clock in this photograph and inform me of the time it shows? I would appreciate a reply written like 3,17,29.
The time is 2,46,40
